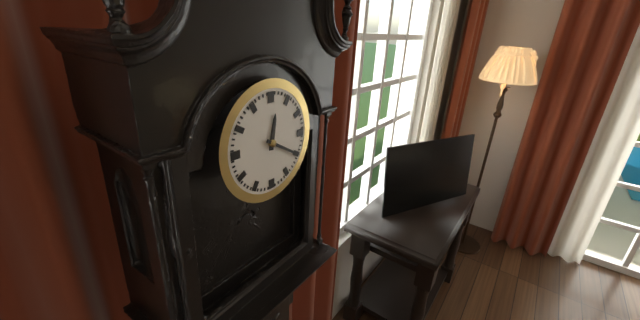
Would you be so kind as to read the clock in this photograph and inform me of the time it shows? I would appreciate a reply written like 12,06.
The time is 12,20
